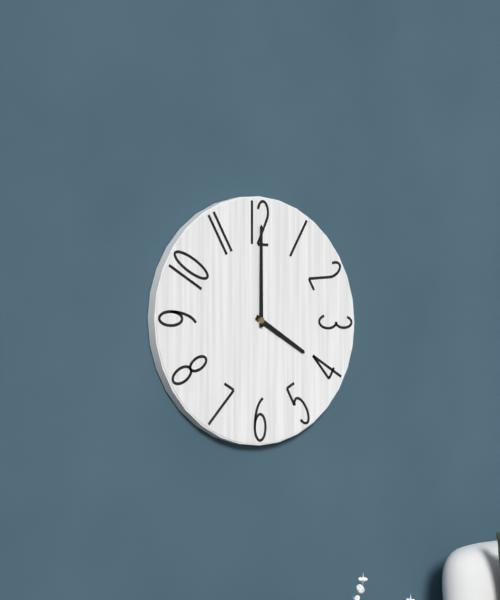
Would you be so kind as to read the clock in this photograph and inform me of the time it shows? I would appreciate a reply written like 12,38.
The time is 4,00
